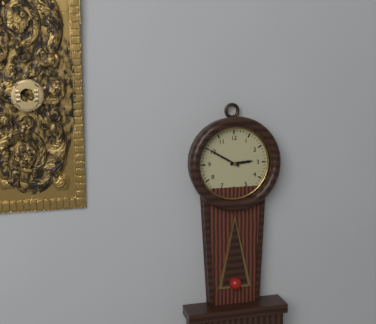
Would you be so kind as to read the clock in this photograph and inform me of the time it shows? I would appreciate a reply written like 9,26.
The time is 2,50
